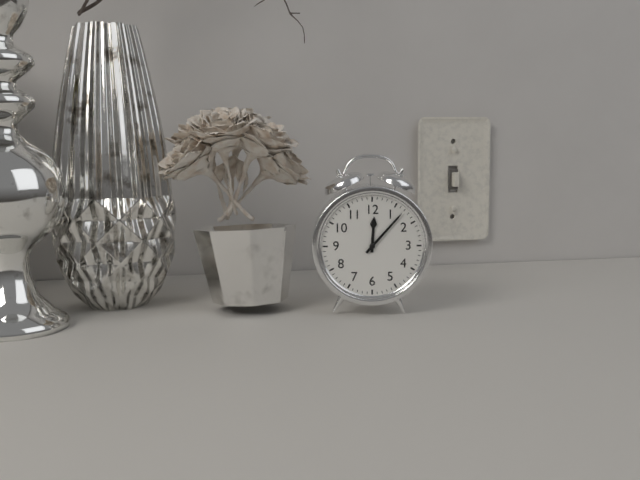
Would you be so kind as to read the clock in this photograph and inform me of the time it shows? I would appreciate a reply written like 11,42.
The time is 12,07
